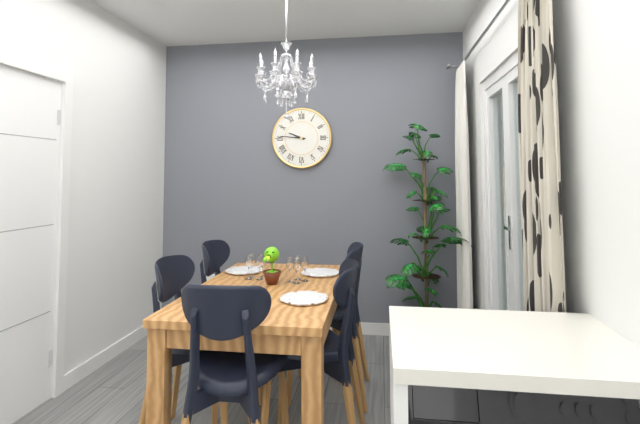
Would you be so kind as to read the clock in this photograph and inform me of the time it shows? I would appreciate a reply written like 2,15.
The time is 9,46
